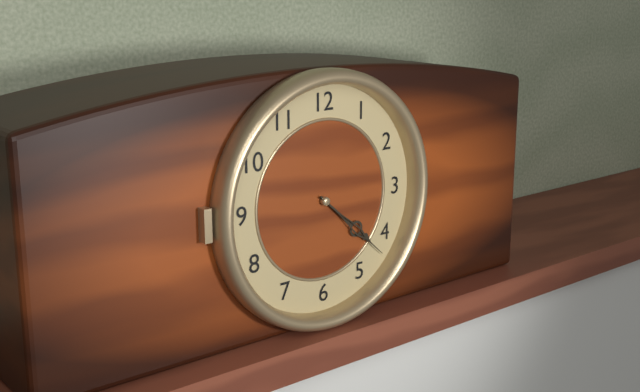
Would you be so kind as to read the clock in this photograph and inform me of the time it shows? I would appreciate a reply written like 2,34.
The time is 4,22
